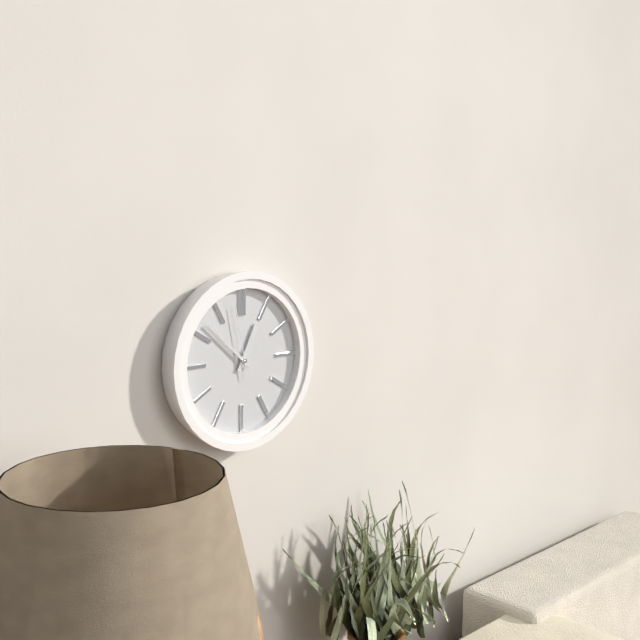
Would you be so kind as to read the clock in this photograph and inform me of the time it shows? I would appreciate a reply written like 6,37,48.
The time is 12,52,58
